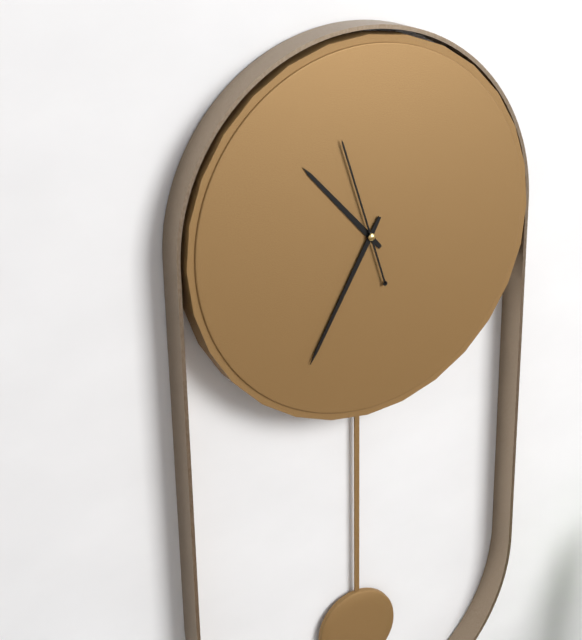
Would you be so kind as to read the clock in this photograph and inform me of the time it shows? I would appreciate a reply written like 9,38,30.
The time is 10,35,57
